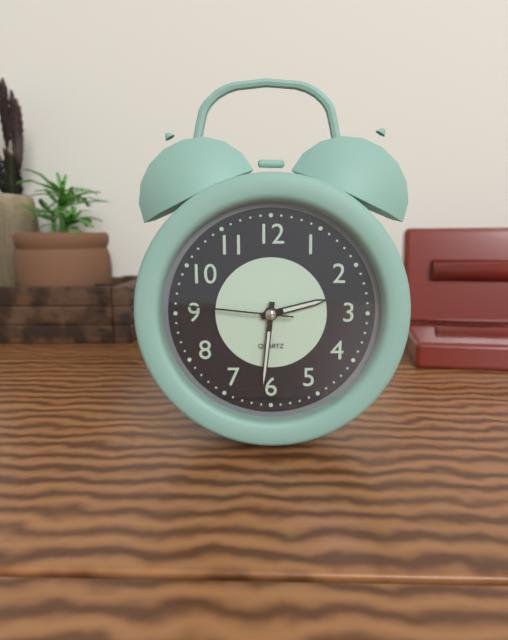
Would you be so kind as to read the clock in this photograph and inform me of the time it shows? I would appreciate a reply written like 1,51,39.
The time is 2,31,46
